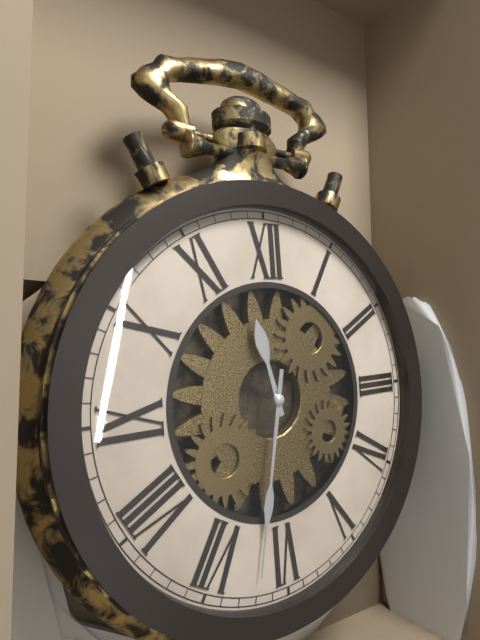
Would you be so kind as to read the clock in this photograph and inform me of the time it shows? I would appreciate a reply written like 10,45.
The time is 11,32
